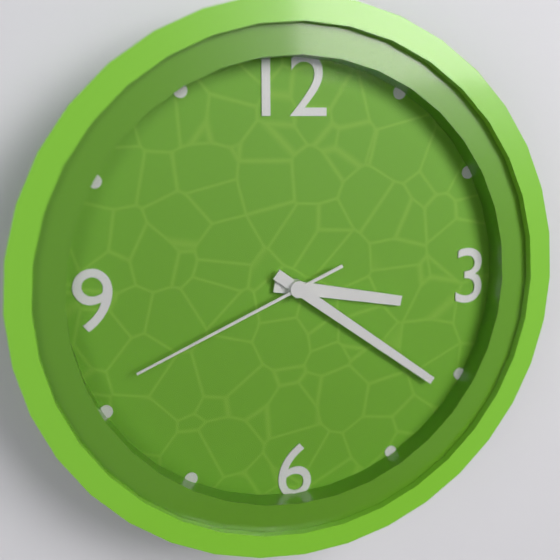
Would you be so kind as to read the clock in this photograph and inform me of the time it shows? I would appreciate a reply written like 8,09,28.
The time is 3,21,41
